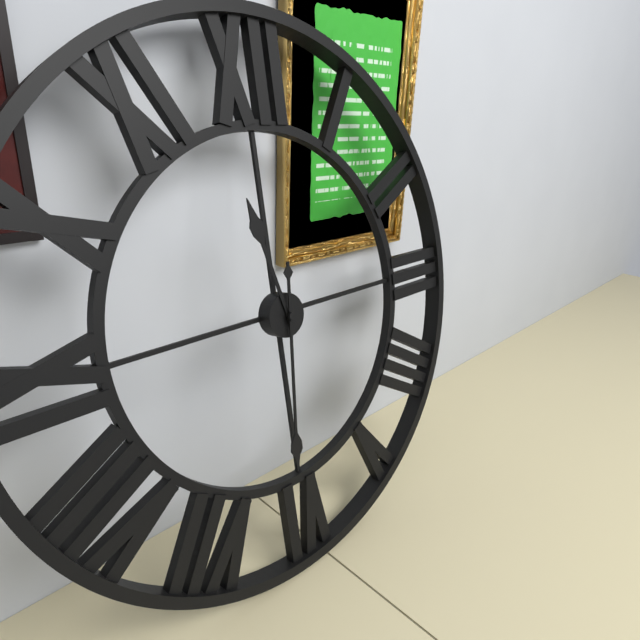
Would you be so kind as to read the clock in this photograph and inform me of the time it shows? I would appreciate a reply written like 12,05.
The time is 11,31
